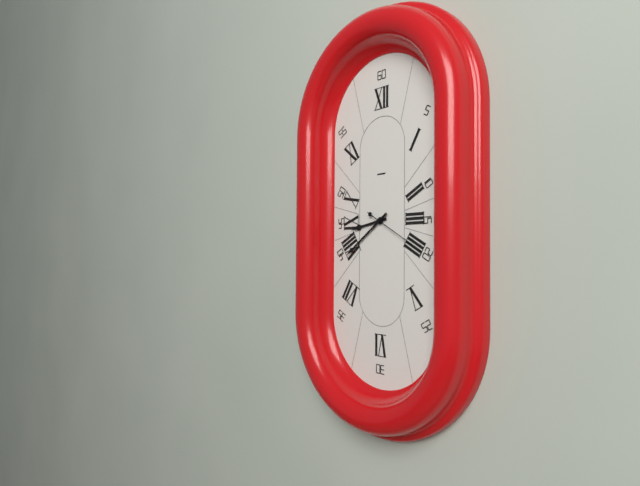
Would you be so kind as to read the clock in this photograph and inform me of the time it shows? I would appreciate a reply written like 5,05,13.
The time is 8,39,20
